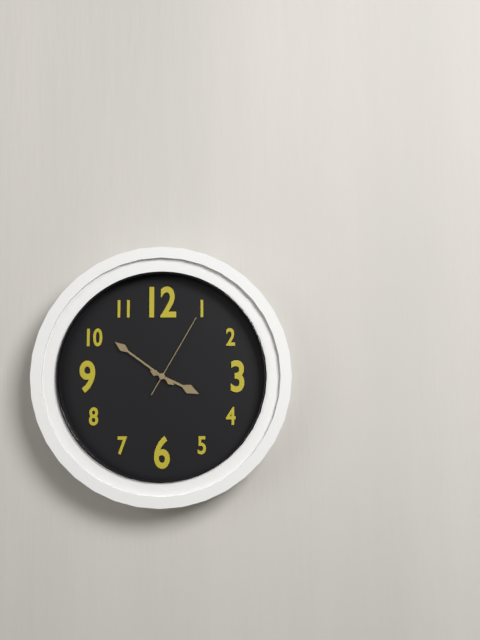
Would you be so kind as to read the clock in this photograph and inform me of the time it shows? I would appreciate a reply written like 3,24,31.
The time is 3,51,05
